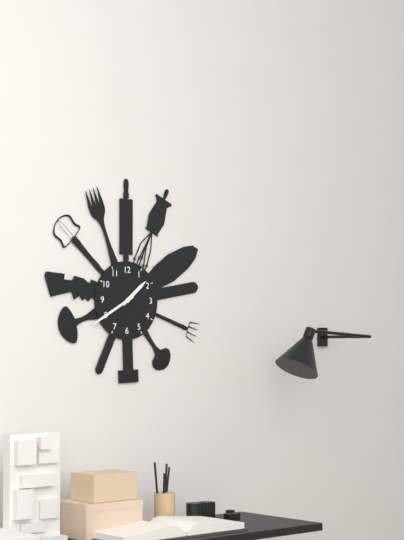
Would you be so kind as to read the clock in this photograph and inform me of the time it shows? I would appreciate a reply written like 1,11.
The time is 1,40
